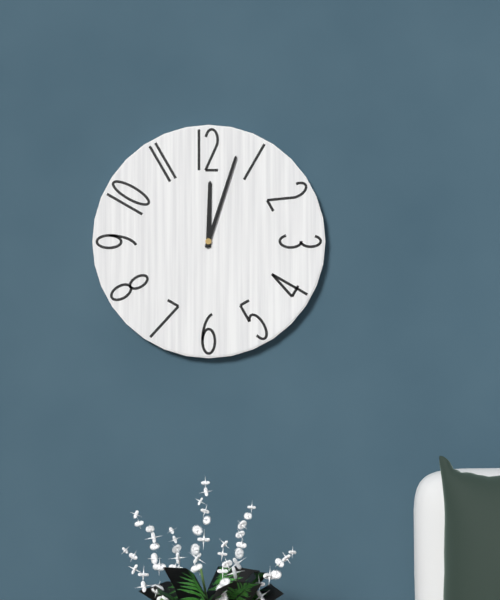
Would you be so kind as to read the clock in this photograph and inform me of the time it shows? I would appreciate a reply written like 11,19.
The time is 12,03
